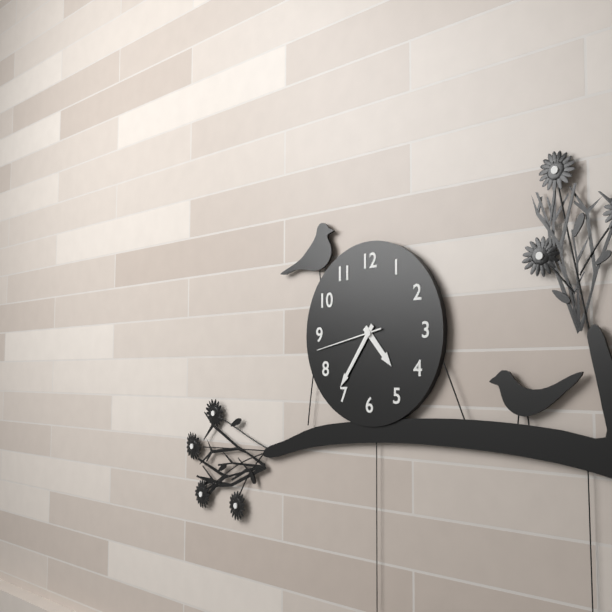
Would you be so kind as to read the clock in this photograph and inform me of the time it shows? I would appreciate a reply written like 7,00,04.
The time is 4,36,43
